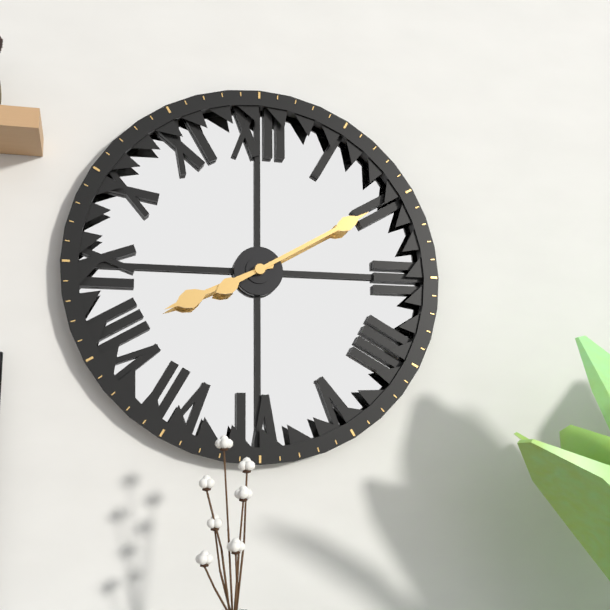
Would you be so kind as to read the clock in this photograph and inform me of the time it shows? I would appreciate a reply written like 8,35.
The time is 8,10
